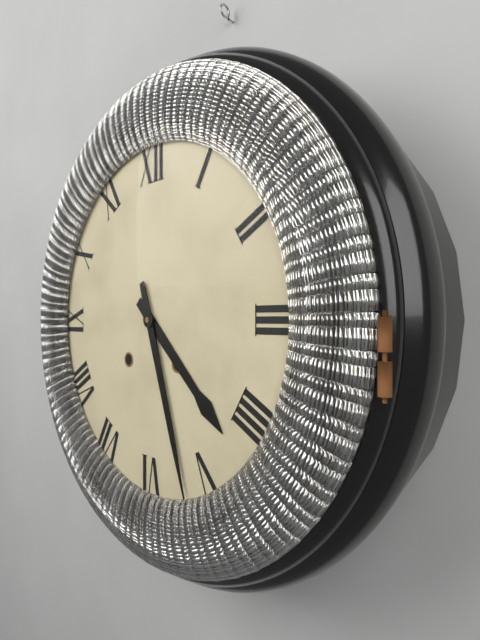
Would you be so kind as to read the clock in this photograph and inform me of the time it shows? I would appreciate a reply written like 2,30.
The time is 4,27
